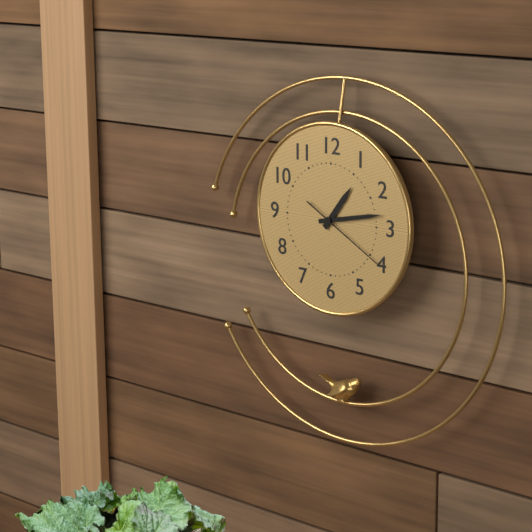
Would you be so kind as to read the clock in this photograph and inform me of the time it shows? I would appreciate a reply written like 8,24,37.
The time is 1,13,20
